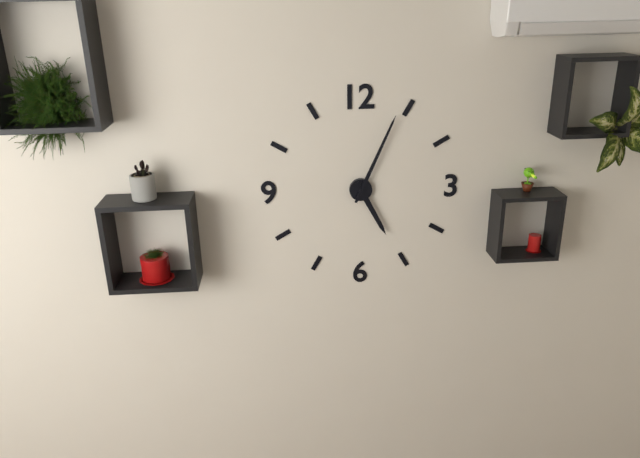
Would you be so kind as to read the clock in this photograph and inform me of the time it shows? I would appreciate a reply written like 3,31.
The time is 5,04
